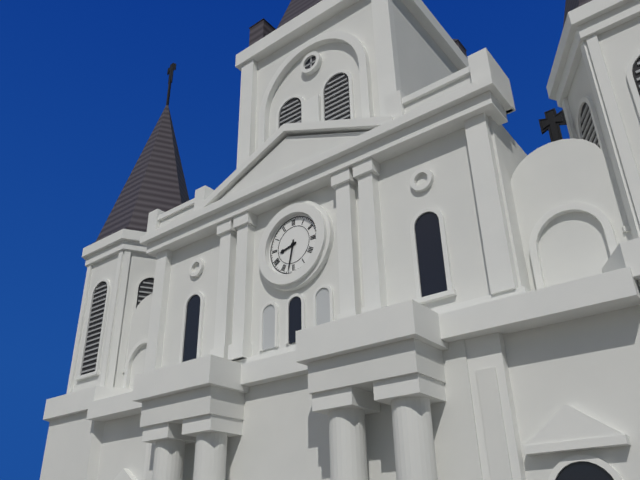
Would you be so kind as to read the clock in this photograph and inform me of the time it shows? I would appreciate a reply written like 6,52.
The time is 8,32
